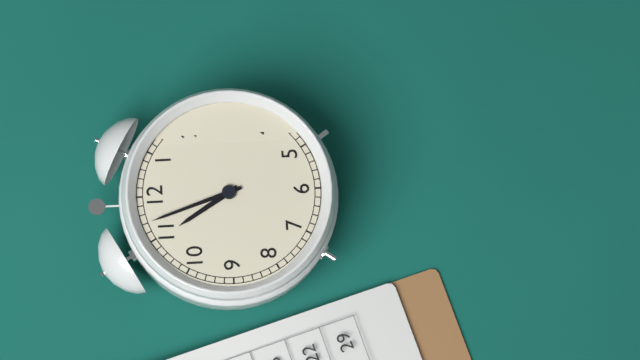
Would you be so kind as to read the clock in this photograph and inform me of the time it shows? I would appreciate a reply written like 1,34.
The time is 10,57
